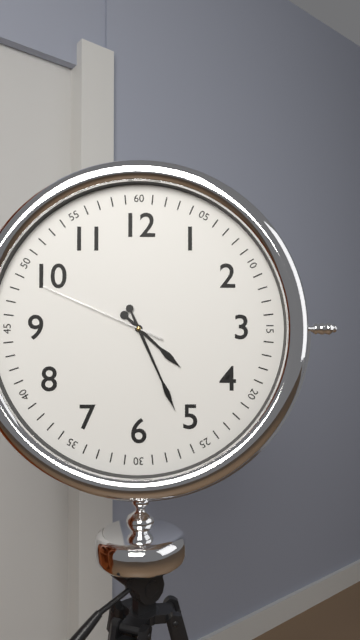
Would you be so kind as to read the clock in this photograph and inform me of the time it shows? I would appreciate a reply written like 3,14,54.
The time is 4,26,49
